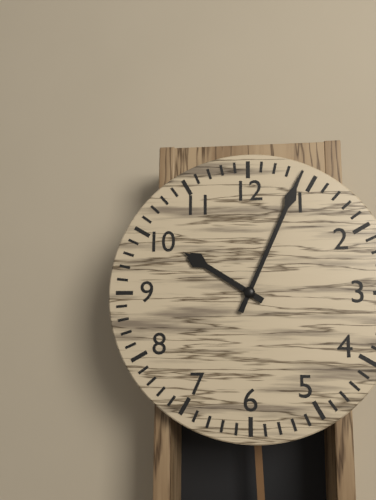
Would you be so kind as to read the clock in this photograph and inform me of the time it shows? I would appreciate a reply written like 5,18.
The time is 10,04
